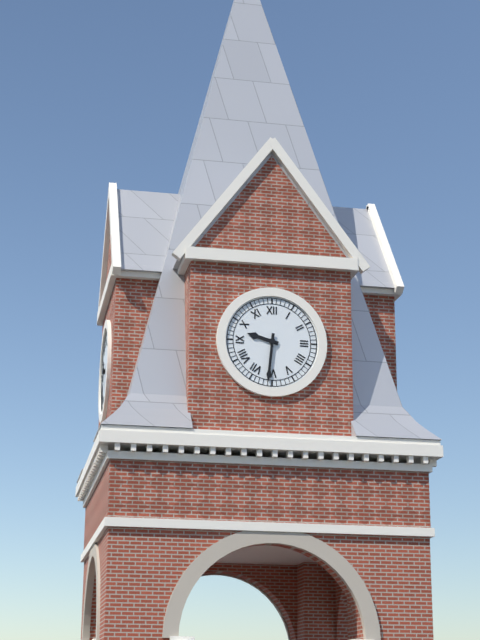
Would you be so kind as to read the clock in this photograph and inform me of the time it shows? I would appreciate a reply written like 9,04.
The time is 9,31
